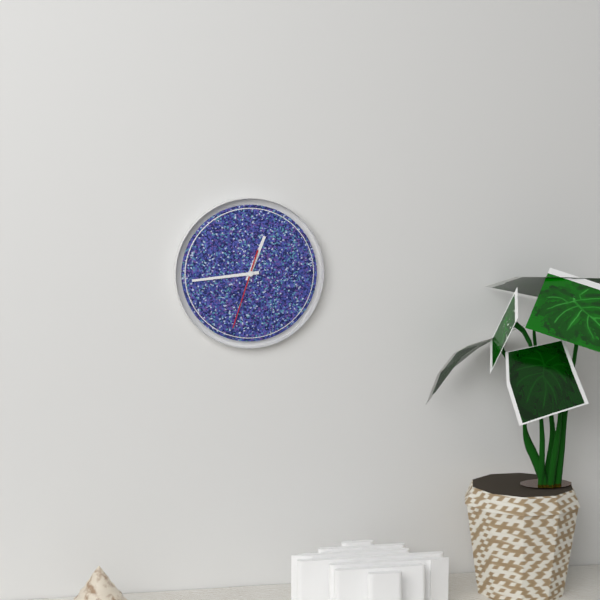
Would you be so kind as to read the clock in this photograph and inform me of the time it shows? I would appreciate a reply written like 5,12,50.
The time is 12,44,33
